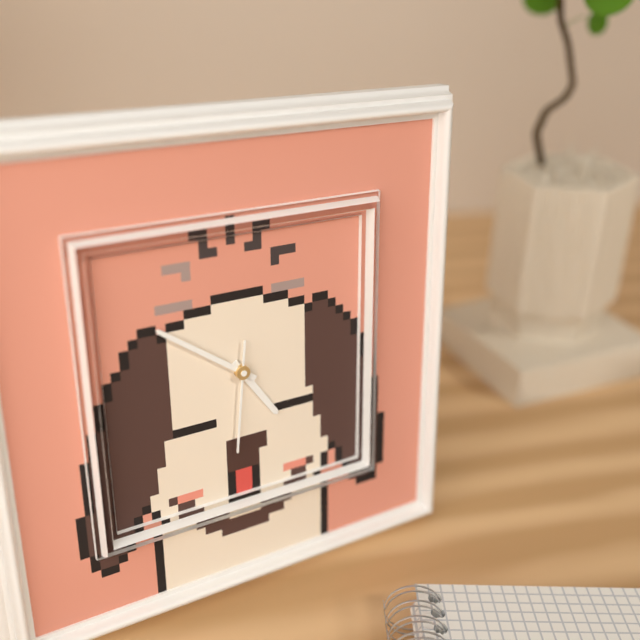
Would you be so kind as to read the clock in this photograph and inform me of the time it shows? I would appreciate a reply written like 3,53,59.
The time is 4,51,31
